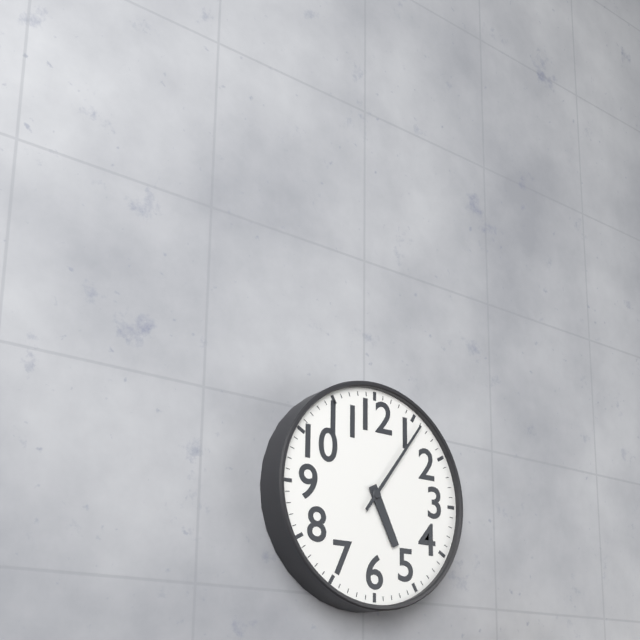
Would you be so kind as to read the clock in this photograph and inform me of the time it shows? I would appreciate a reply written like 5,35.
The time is 5,06
